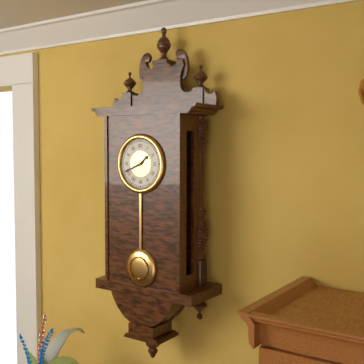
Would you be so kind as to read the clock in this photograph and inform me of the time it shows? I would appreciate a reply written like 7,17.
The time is 1,41
